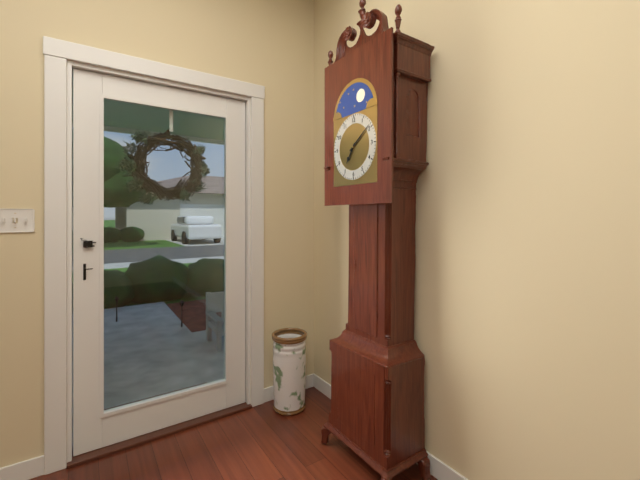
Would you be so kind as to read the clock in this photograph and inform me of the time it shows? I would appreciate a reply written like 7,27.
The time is 7,09
